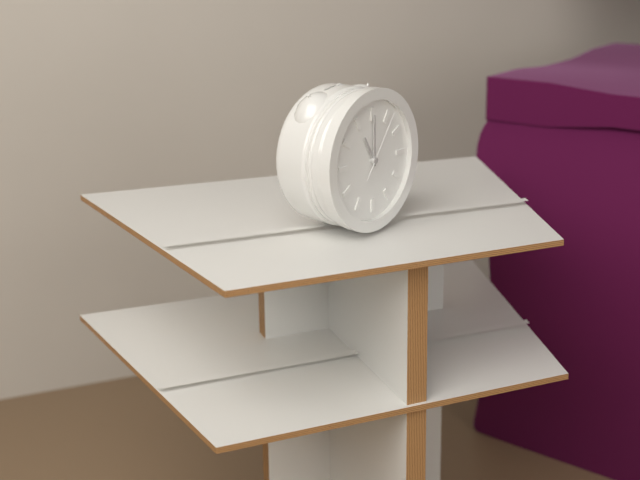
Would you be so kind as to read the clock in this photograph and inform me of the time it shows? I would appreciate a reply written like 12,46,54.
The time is 11,00,06
